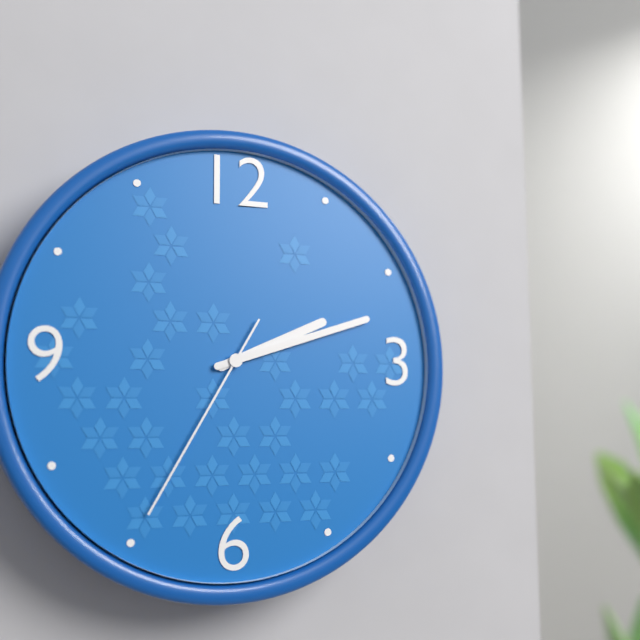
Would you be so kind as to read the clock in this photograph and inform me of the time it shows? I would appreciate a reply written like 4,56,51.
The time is 2,12,35
